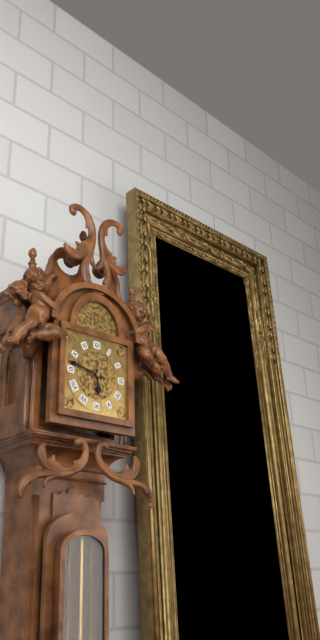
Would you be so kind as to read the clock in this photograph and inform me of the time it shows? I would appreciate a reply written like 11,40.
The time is 5,47
